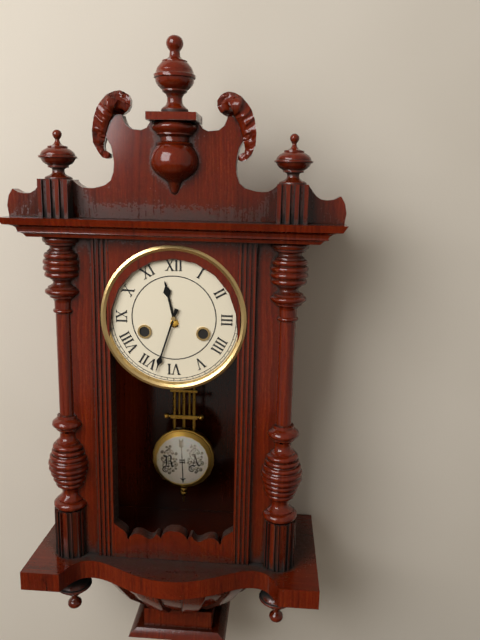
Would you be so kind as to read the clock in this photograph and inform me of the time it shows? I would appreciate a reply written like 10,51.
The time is 11,33
